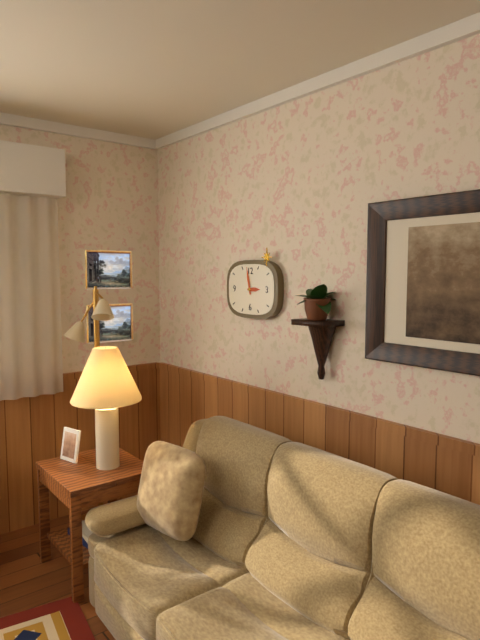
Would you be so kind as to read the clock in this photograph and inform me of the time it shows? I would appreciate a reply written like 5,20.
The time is 2,58
